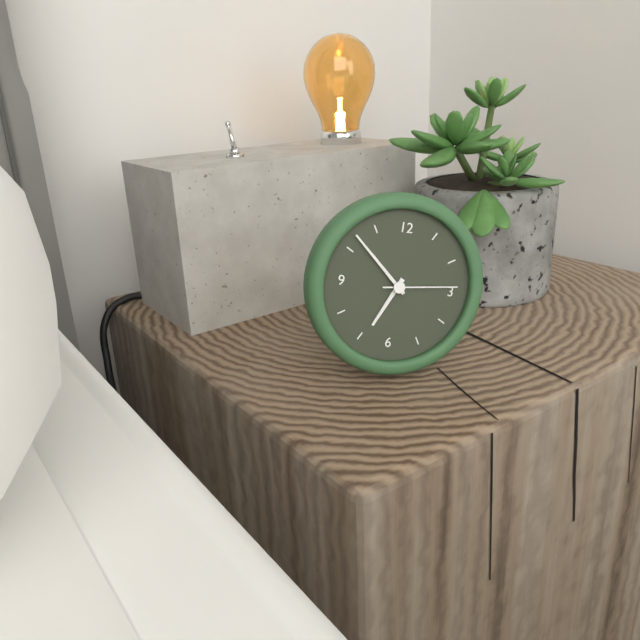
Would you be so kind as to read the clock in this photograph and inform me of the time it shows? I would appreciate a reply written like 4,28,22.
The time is 6,52,14
